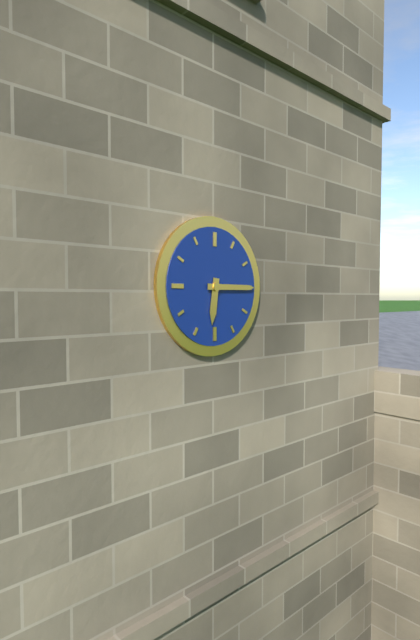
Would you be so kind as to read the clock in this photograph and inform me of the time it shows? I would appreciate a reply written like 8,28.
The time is 6,15
